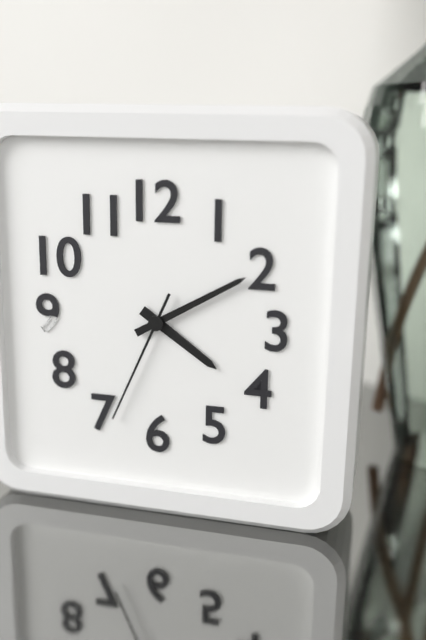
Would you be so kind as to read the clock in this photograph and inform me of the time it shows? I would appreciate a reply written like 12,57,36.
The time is 4,10,34
